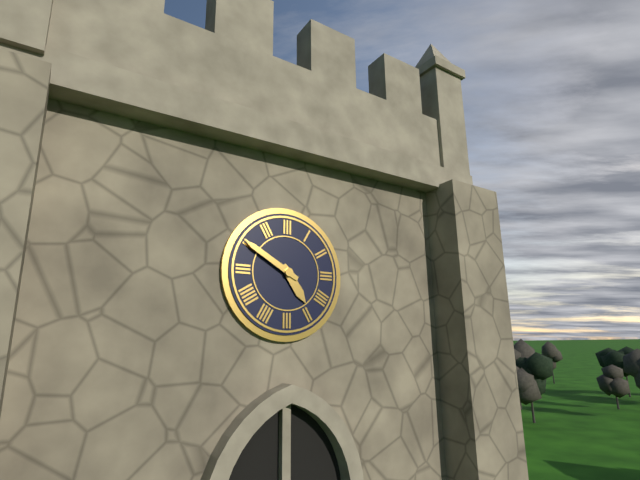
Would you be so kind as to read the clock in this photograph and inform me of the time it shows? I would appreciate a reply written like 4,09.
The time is 4,50
